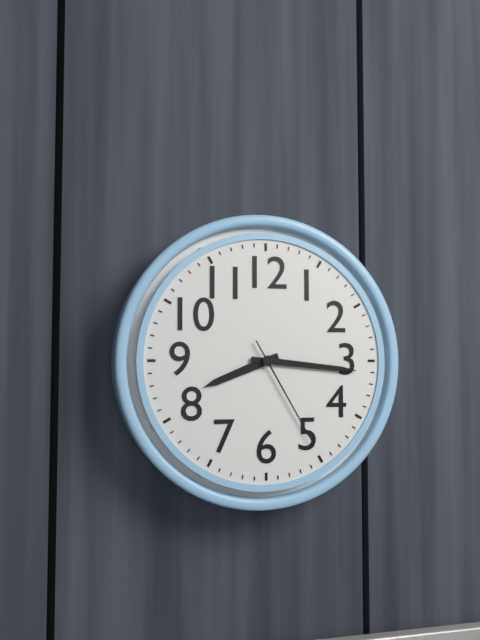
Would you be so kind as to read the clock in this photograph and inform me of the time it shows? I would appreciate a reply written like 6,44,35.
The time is 8,16,25
